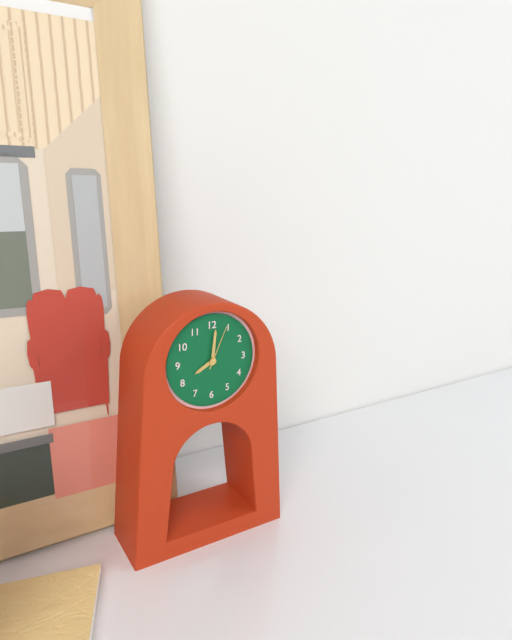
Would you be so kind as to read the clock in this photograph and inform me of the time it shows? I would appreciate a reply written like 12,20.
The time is 8,01
